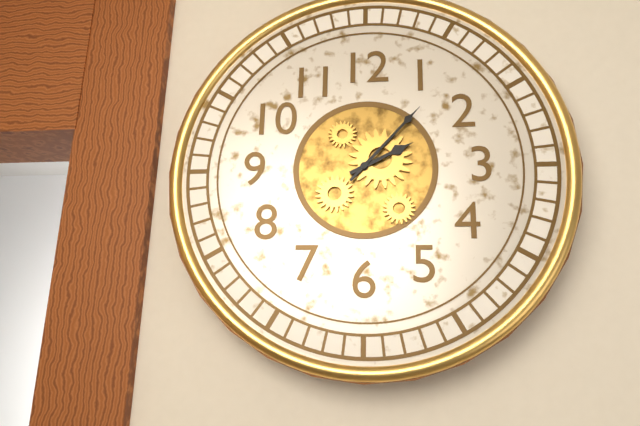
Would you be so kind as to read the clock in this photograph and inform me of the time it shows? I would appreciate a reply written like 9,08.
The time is 2,07
